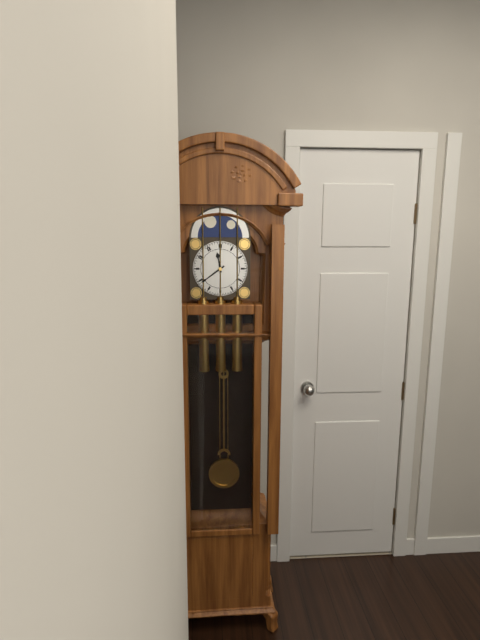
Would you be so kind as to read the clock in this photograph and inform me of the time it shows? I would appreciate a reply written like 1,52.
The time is 11,39
